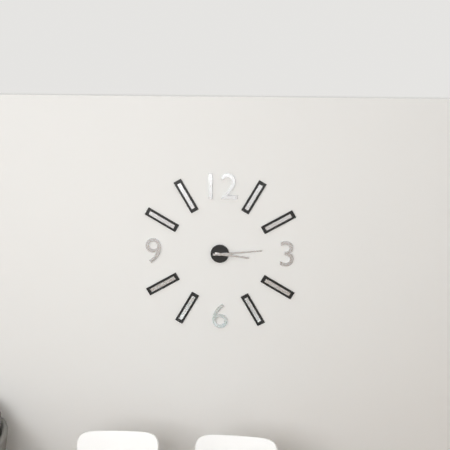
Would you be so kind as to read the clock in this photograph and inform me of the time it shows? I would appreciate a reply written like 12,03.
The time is 3,14
